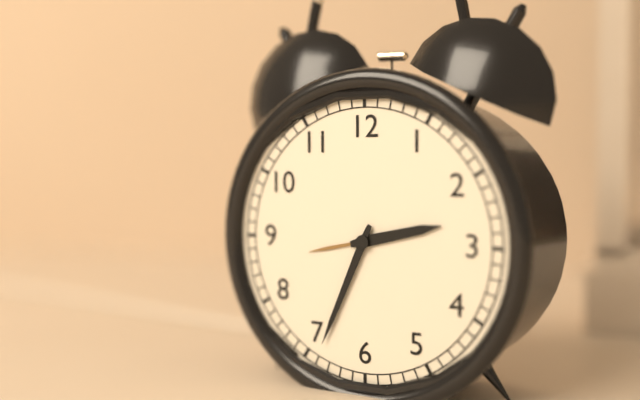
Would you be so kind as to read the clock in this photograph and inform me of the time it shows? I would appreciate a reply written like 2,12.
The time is 2,34
